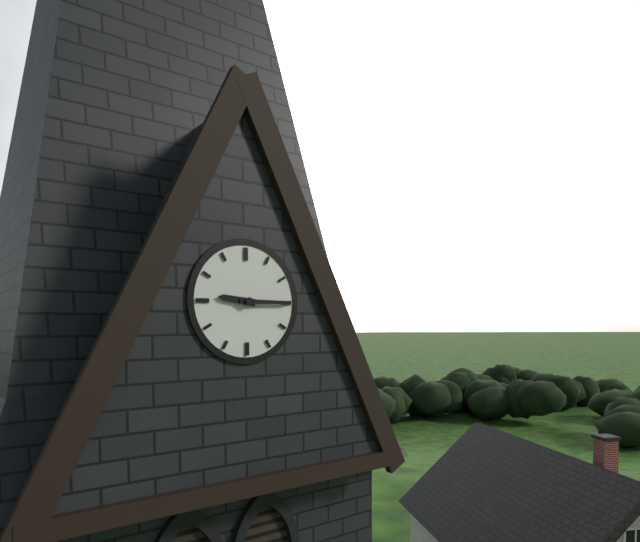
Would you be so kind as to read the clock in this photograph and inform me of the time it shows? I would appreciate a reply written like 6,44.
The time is 9,15
